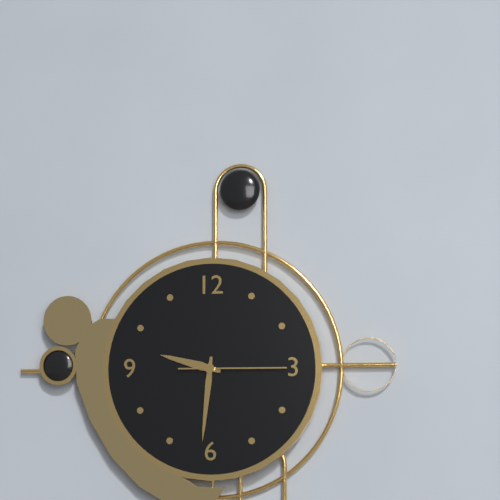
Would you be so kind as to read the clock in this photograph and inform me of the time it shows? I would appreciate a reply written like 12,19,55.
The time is 9,31,15
